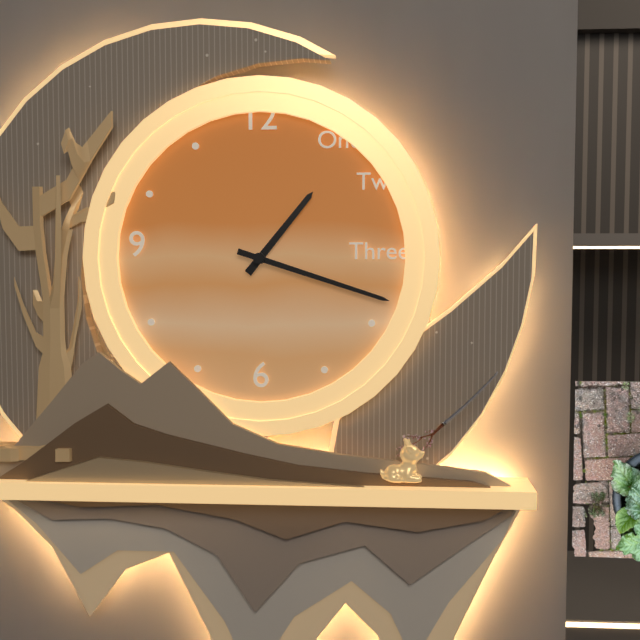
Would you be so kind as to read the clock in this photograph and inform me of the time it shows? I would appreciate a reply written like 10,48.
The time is 1,18
